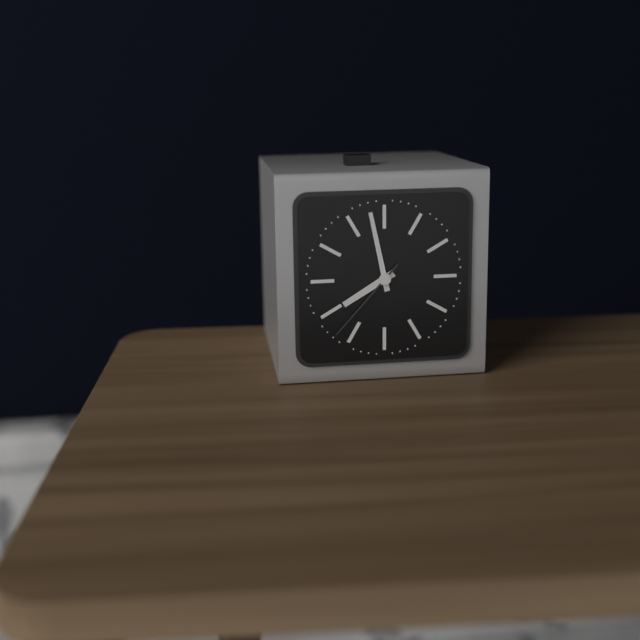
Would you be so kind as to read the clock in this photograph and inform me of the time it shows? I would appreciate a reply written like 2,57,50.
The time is 7,58,37
